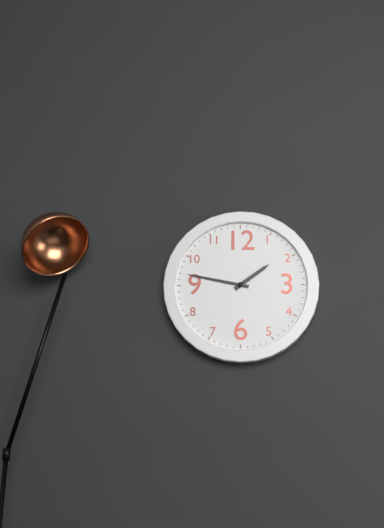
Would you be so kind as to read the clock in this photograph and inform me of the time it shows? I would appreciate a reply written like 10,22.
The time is 1,47
